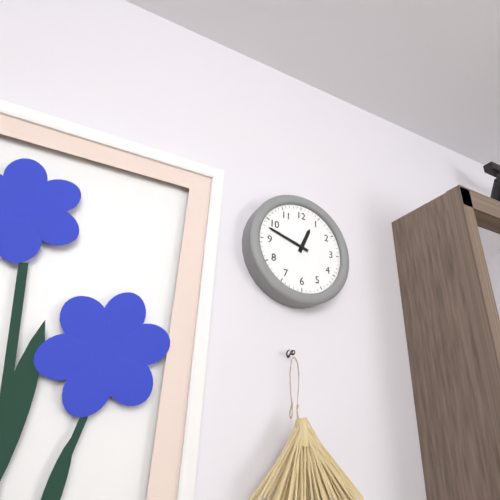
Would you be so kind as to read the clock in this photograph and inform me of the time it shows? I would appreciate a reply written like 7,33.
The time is 12,48
